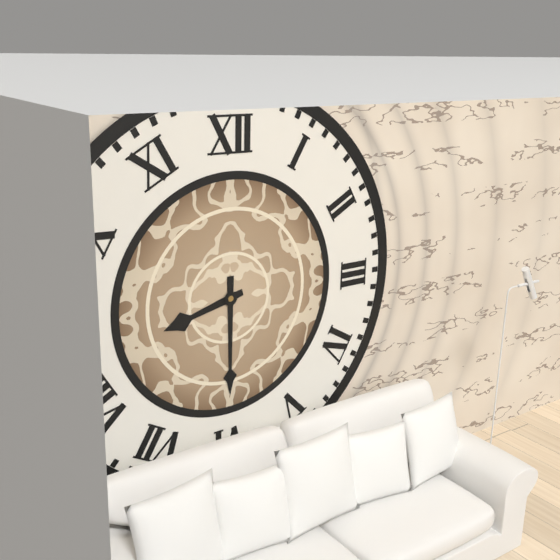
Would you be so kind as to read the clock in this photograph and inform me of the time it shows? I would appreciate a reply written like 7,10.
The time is 8,30
